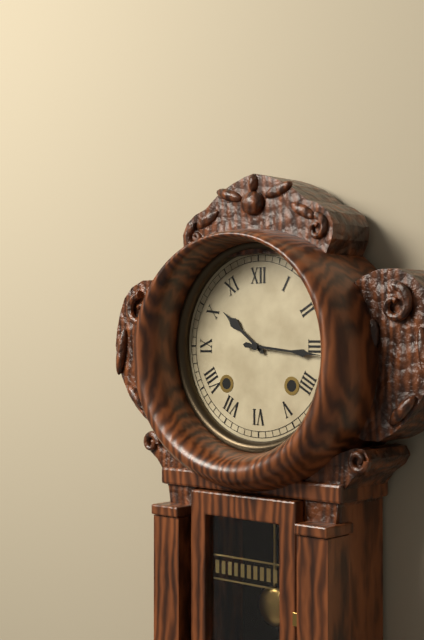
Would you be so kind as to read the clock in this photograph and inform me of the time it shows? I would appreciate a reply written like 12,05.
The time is 10,16
